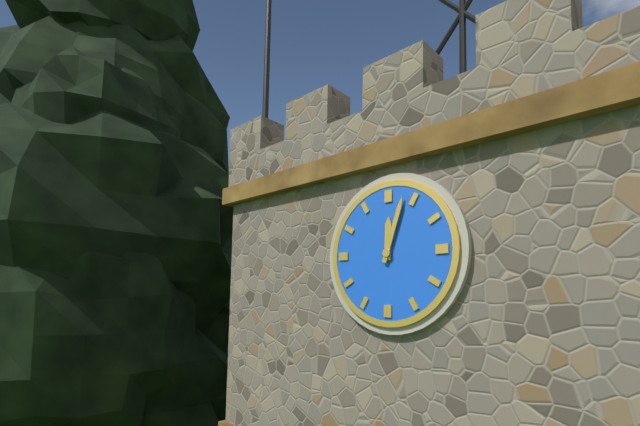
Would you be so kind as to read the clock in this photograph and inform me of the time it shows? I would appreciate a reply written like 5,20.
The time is 12,03
